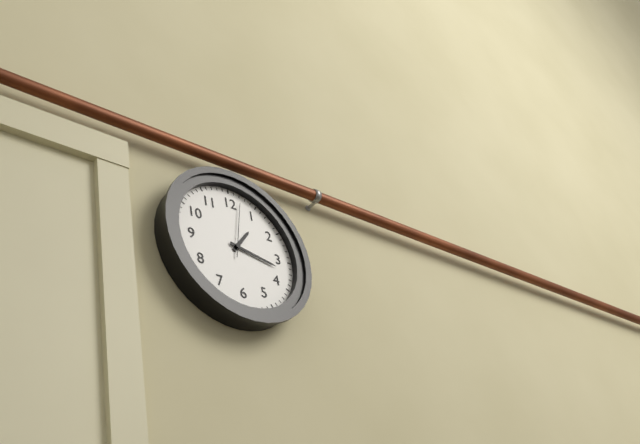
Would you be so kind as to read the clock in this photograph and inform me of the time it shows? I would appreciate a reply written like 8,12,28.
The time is 1,17,02
